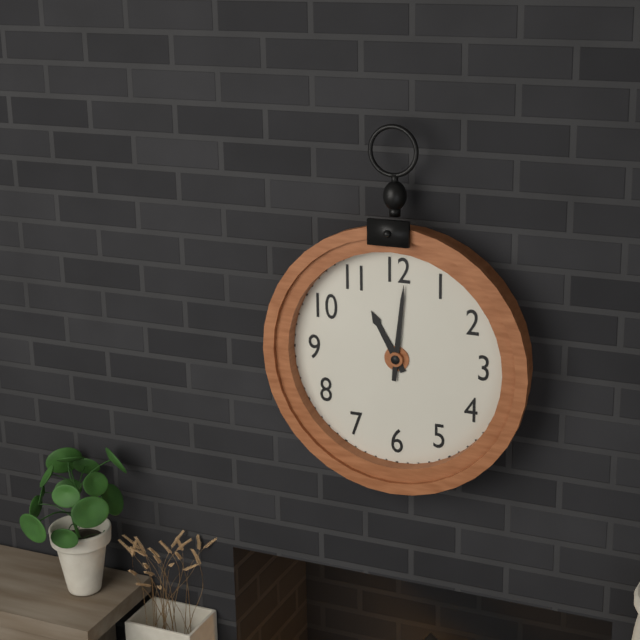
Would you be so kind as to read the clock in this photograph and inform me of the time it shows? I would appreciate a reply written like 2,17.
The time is 11,01
